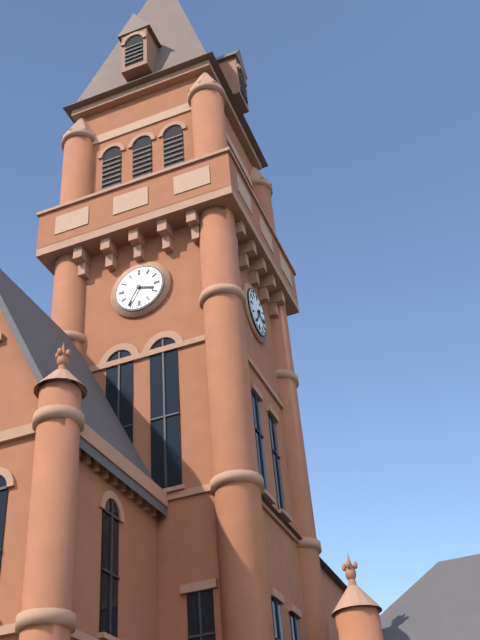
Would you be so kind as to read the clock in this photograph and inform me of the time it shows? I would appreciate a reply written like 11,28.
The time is 3,35
